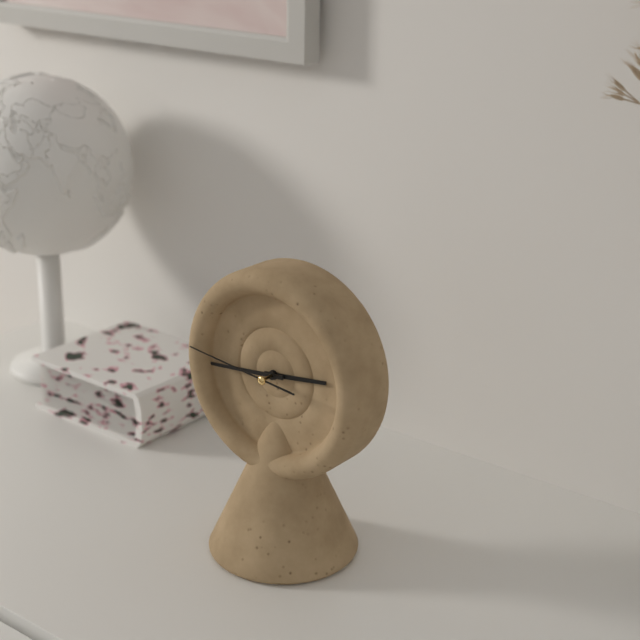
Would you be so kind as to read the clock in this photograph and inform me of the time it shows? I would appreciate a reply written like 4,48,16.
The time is 2,44,46
